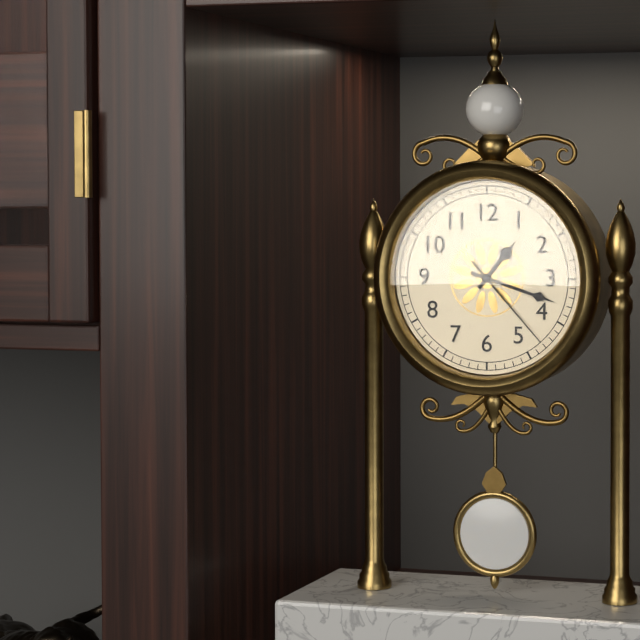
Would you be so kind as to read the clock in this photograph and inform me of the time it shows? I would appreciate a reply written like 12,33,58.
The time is 1,18,23
